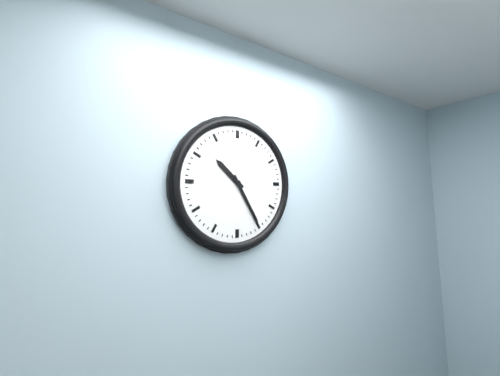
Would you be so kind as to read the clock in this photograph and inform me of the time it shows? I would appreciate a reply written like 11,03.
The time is 10,25
